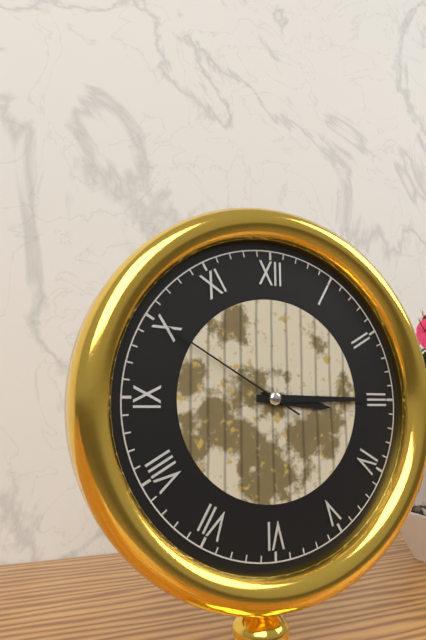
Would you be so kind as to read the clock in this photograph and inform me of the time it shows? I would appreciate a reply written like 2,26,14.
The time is 3,15,50
